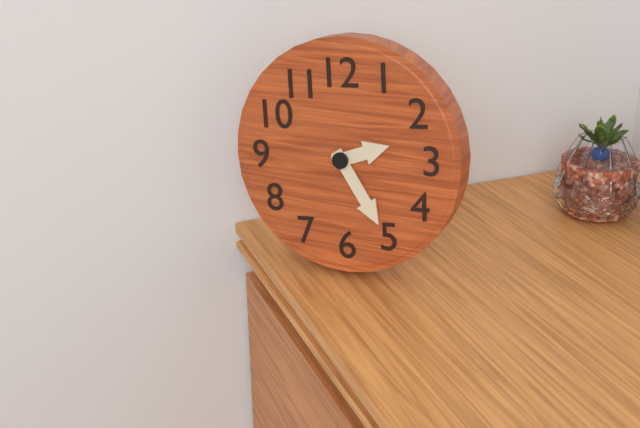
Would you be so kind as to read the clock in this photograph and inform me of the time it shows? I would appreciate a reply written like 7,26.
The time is 2,25
